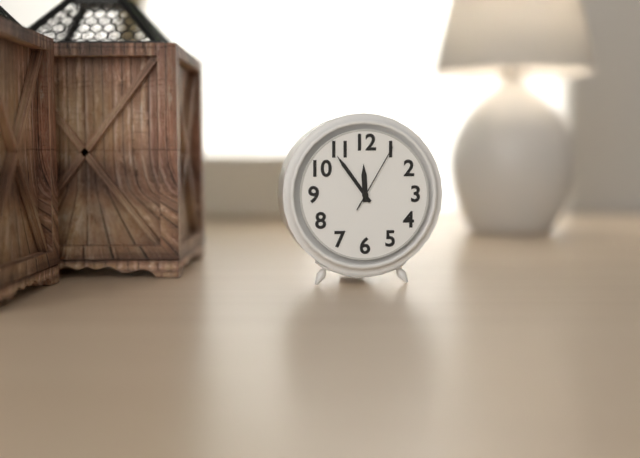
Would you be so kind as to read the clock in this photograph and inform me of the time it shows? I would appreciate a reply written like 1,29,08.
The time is 11,54,05
